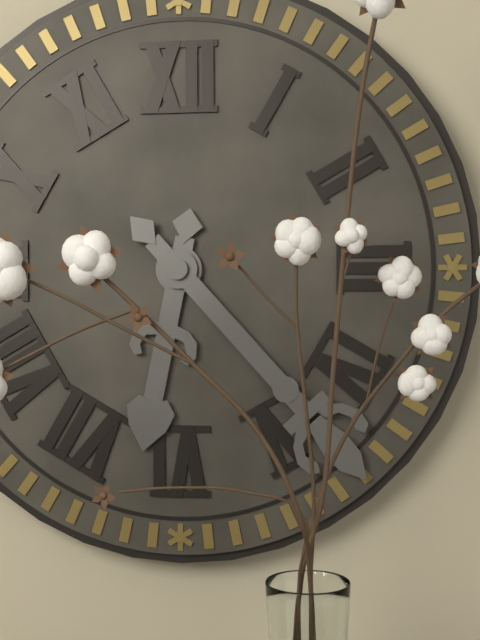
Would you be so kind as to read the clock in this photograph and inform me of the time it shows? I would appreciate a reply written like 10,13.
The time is 6,23
